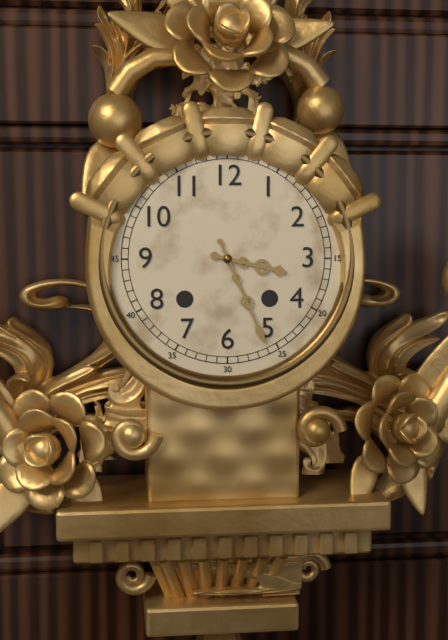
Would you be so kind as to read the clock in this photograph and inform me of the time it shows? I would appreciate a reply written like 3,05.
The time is 3,26
